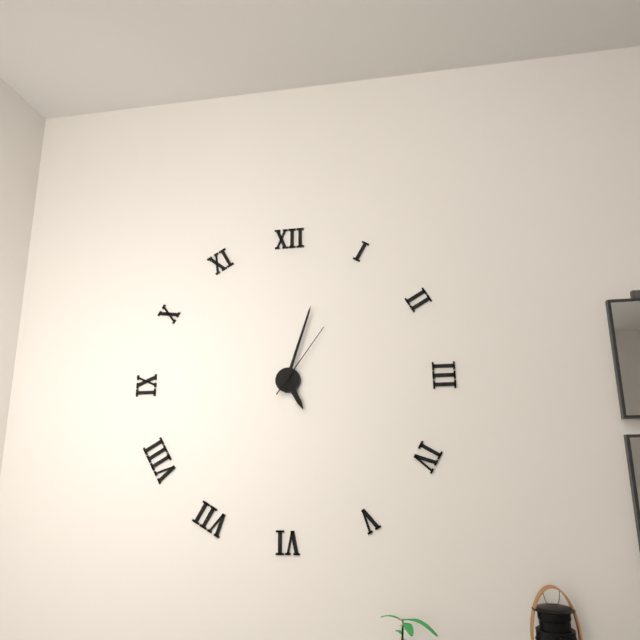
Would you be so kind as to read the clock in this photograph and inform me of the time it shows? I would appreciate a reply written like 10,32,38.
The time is 5,03,06
